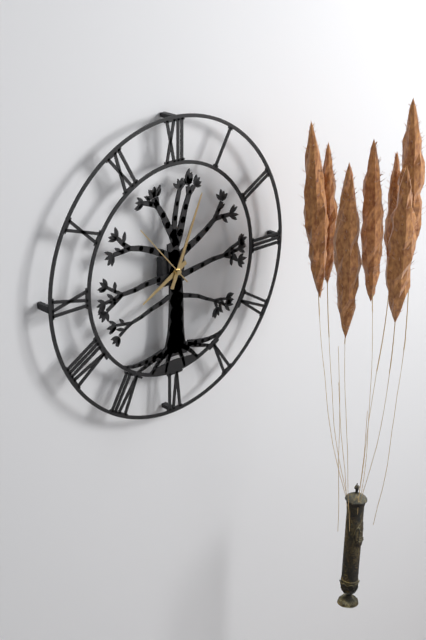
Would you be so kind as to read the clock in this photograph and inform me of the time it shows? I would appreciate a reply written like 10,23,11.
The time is 8,04,53
